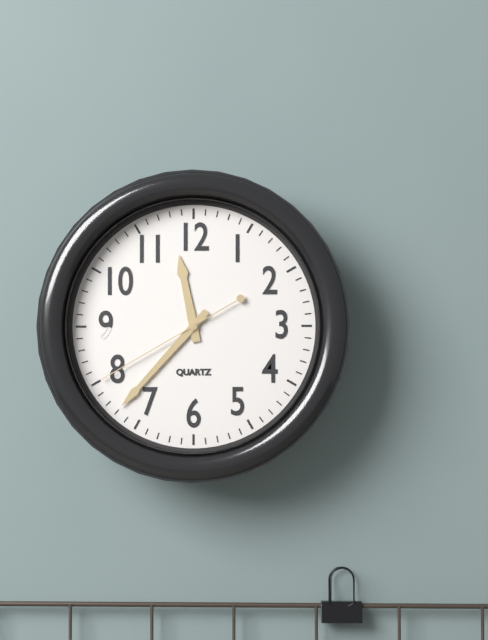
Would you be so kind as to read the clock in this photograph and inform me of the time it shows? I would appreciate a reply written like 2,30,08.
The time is 11,37,40
